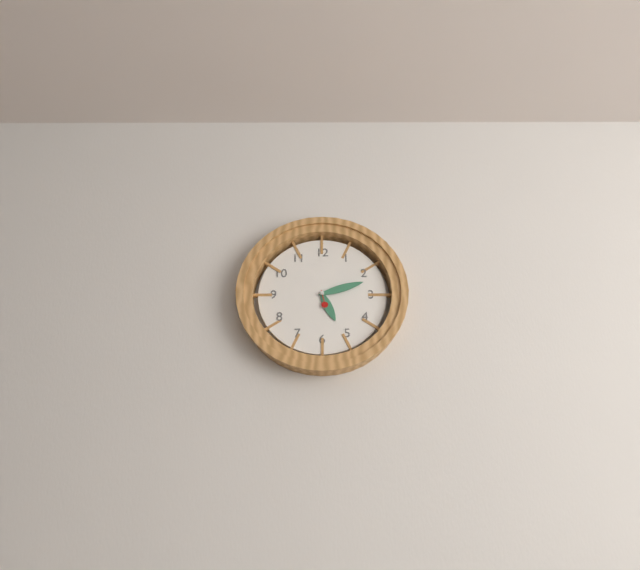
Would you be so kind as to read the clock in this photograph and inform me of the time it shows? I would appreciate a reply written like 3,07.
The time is 5,12
